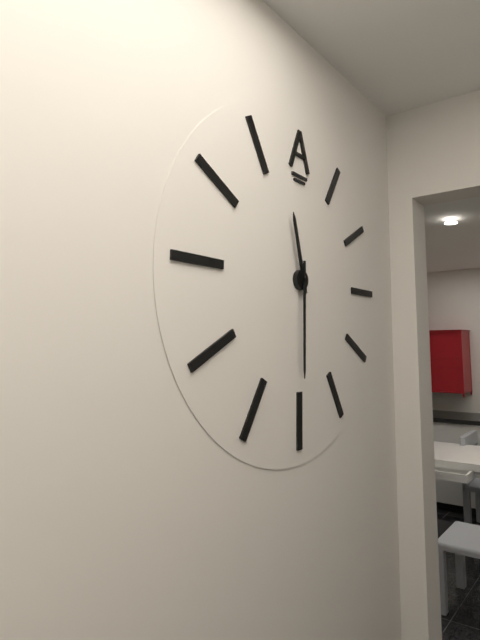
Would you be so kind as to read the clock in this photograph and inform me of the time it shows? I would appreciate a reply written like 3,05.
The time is 11,30
